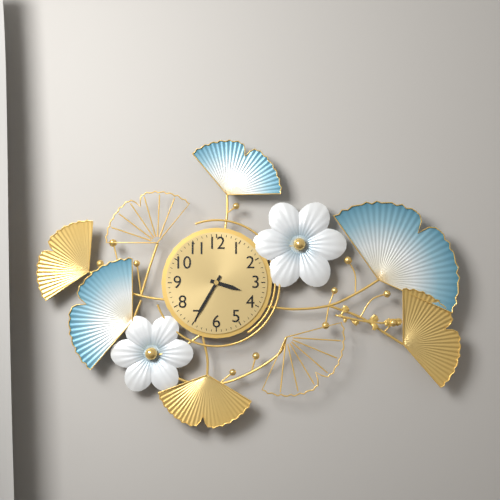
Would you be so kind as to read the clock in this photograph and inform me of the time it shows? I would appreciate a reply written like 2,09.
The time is 3,35
